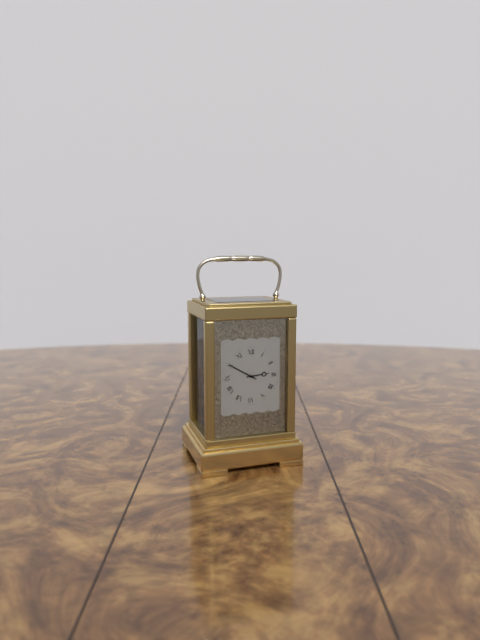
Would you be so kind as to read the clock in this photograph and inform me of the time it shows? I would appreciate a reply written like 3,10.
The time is 2,50
